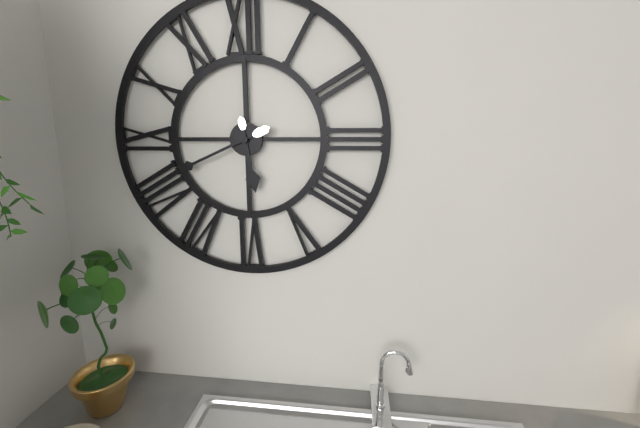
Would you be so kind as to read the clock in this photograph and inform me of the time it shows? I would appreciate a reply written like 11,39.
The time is 5,41
